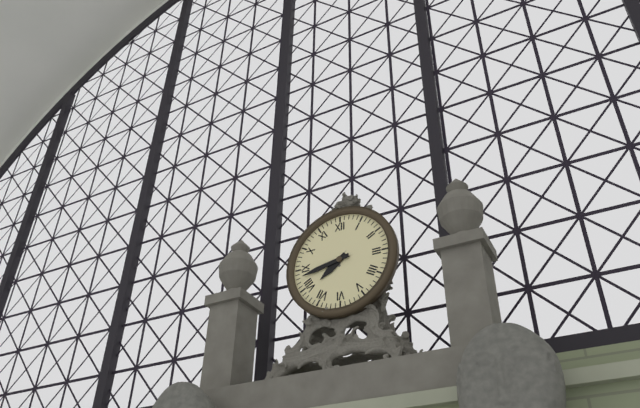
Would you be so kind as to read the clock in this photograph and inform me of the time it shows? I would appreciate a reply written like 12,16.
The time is 7,43
